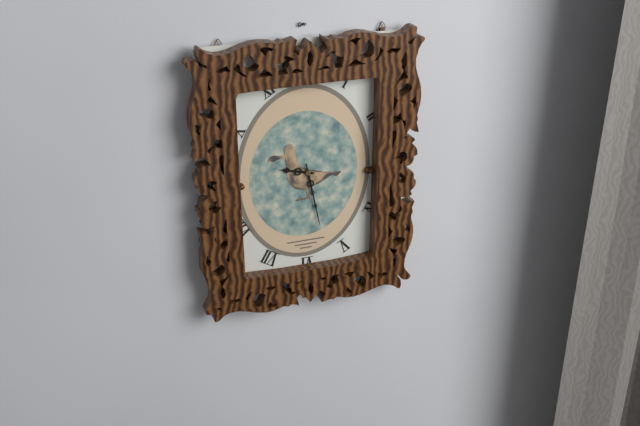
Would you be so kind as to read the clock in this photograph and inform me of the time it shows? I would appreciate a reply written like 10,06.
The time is 9,28
